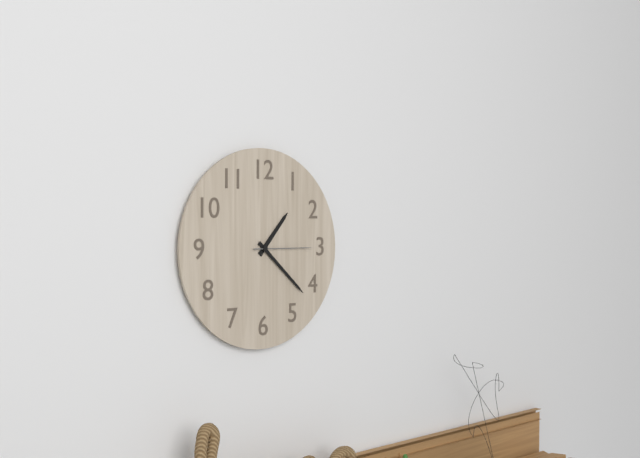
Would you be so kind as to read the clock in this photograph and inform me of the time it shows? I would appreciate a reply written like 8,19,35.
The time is 1,22,15
